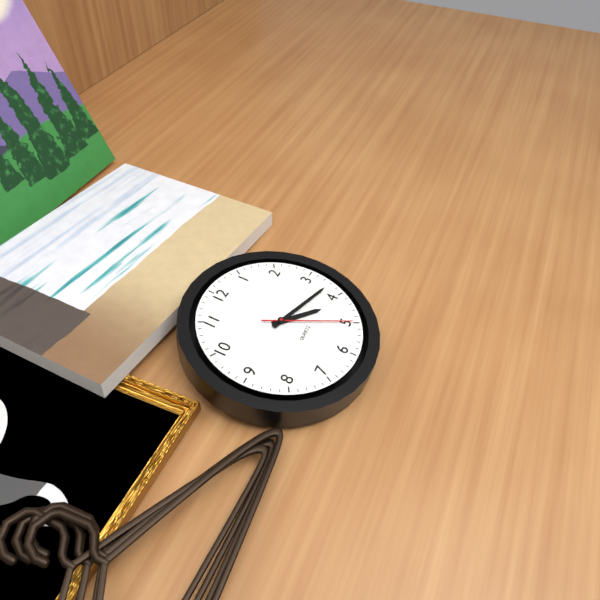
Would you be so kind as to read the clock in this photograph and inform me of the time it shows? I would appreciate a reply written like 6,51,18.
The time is 4,18,25
